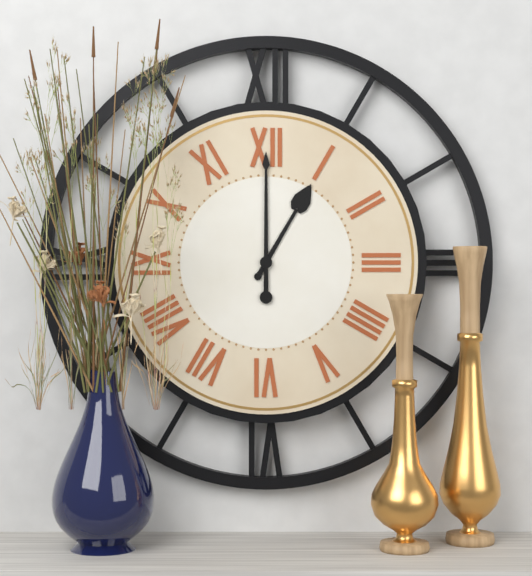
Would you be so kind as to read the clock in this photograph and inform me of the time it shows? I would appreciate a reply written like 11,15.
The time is 1,00
